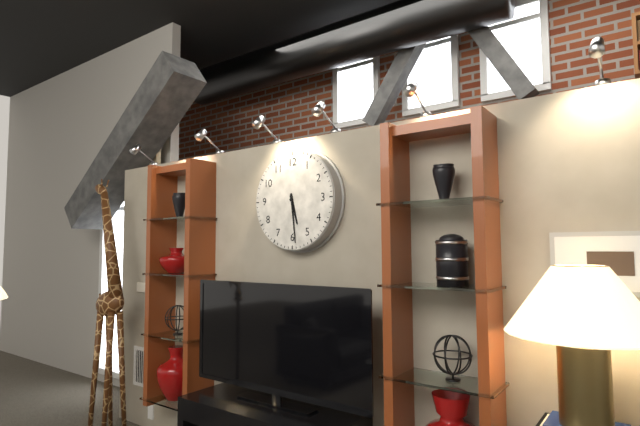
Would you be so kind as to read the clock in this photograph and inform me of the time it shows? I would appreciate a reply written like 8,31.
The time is 5,29
